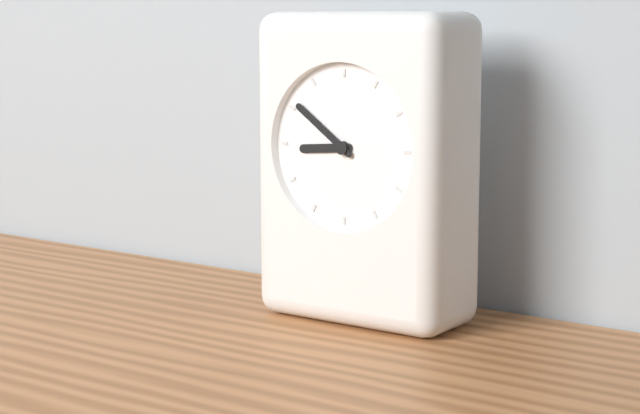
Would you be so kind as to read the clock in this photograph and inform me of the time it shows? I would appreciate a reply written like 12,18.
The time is 8,51
